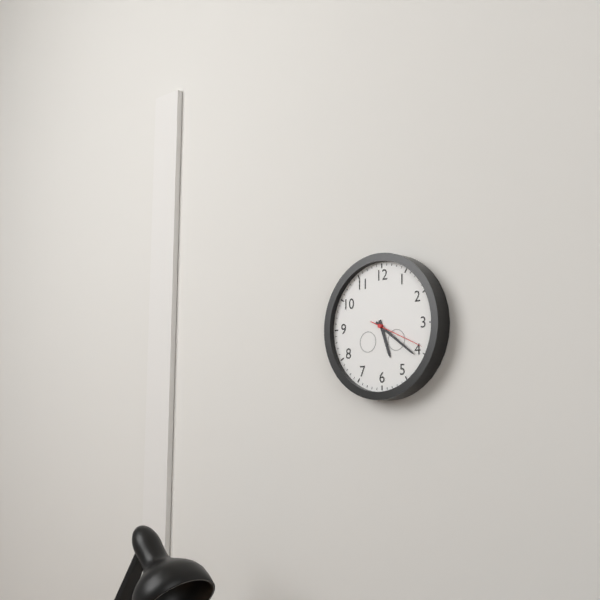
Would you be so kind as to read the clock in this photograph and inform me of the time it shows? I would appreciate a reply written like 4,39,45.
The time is 5,21,19
